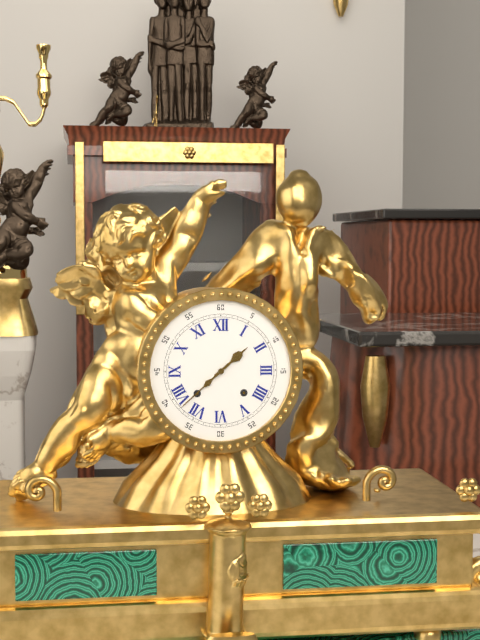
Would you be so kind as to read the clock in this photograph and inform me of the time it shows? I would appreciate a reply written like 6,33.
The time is 1,38
